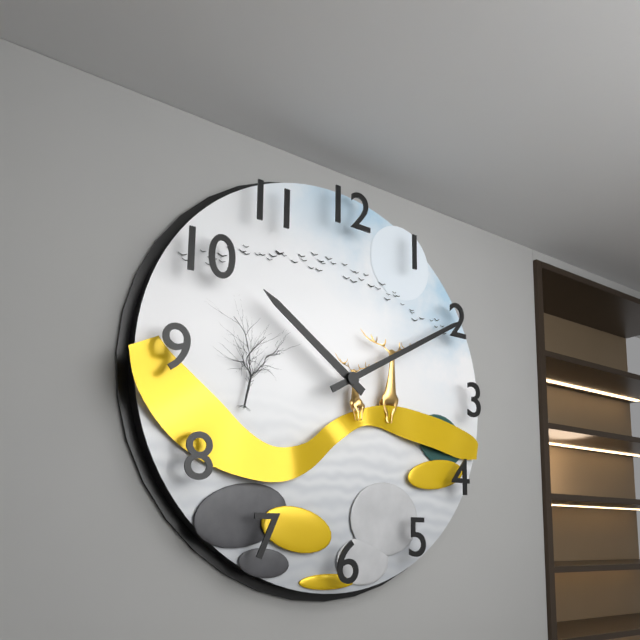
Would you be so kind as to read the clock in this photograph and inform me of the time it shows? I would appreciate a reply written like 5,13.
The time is 10,10
